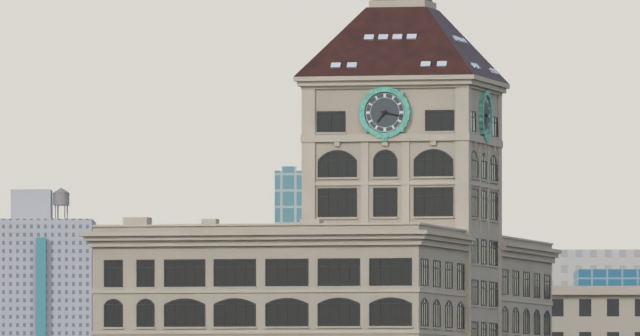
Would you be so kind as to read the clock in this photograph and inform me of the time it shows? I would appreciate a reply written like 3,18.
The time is 7,17
